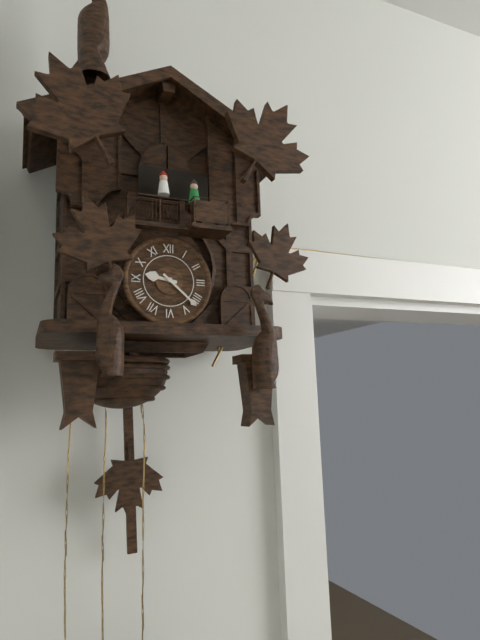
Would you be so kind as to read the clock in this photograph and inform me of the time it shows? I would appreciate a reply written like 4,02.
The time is 9,22
